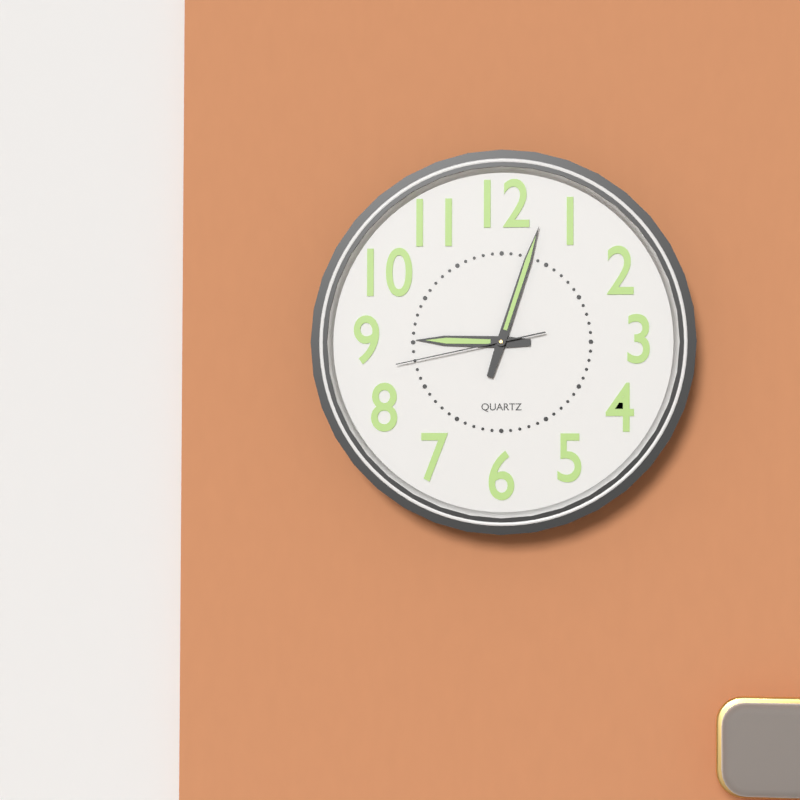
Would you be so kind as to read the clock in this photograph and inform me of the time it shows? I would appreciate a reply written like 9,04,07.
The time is 9,03,43
